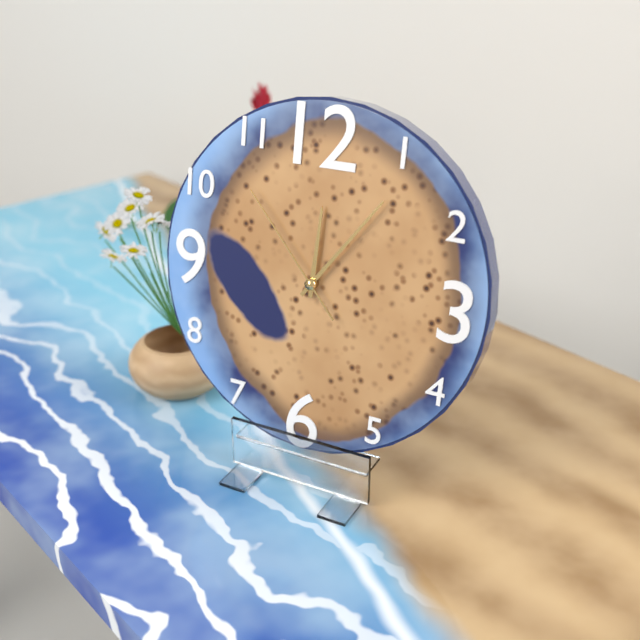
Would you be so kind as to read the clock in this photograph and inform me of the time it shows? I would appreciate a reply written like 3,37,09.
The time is 12,06,53
